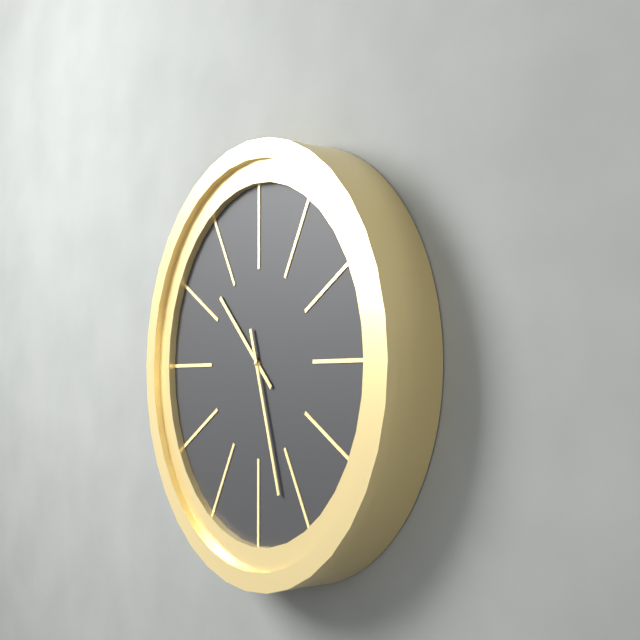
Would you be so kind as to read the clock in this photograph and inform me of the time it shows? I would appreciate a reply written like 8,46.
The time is 10,27
